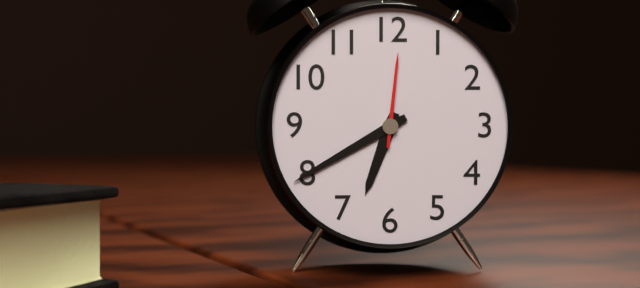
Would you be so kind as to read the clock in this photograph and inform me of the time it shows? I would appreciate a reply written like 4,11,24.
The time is 6,40,01
